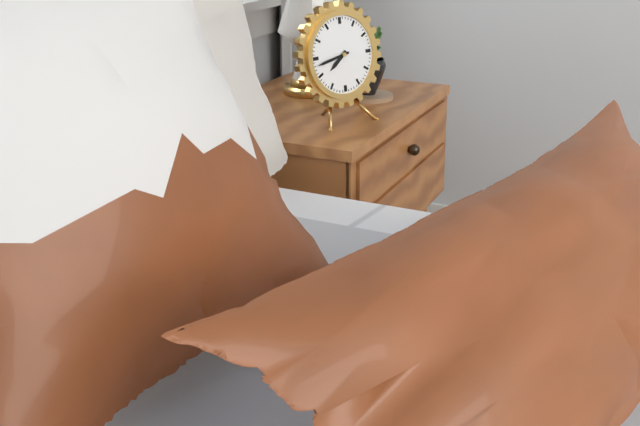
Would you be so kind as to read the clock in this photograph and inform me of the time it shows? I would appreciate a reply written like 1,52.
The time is 7,43
